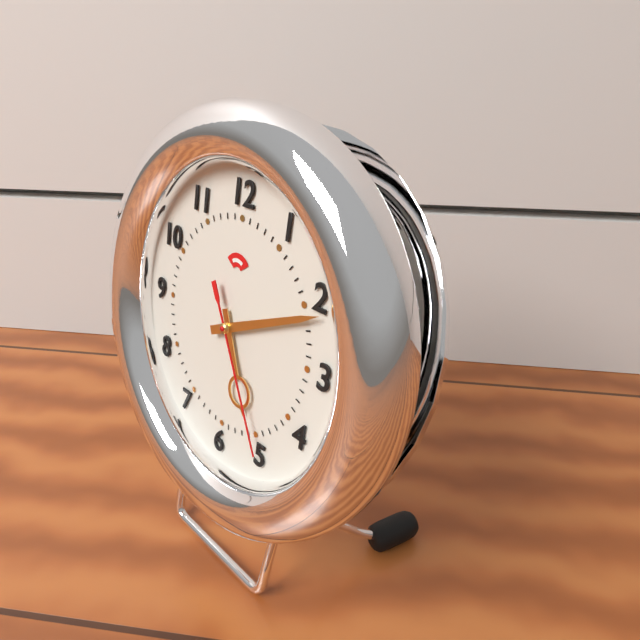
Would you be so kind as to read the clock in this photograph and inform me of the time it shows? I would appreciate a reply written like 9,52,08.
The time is 5,11,25
